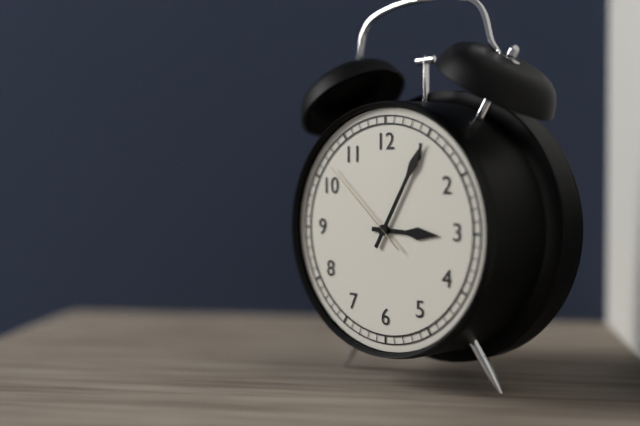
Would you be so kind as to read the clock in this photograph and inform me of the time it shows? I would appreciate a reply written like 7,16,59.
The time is 3,05,52
